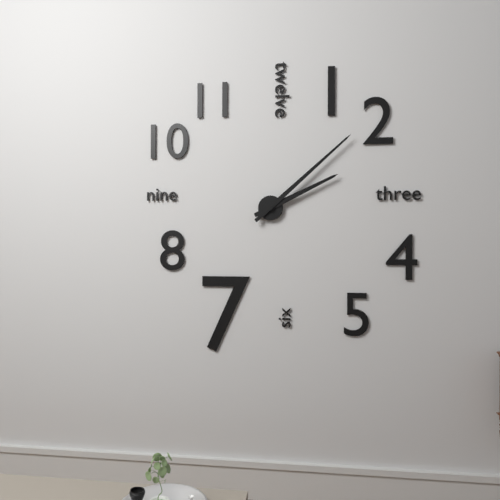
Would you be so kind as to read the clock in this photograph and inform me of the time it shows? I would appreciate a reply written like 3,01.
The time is 2,08
